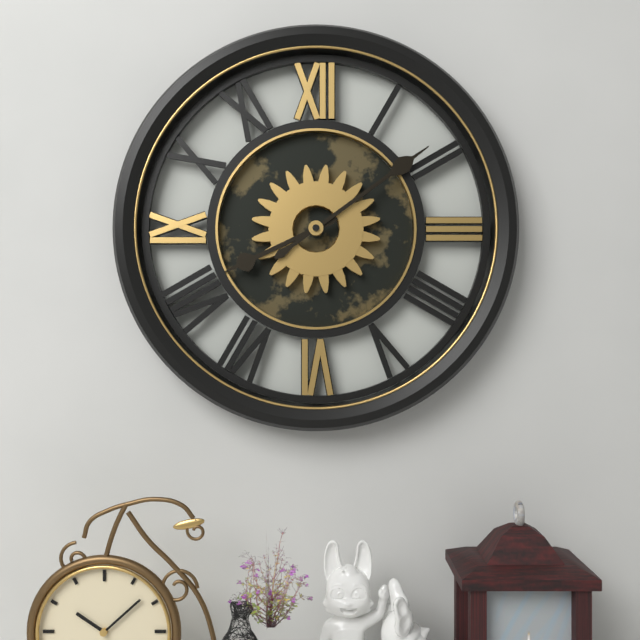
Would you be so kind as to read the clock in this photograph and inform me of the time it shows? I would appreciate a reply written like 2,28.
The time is 8,09
